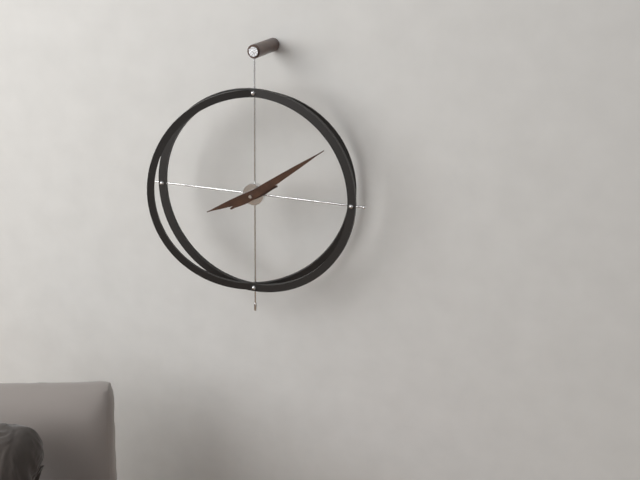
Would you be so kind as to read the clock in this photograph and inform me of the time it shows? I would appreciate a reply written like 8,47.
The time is 8,09
